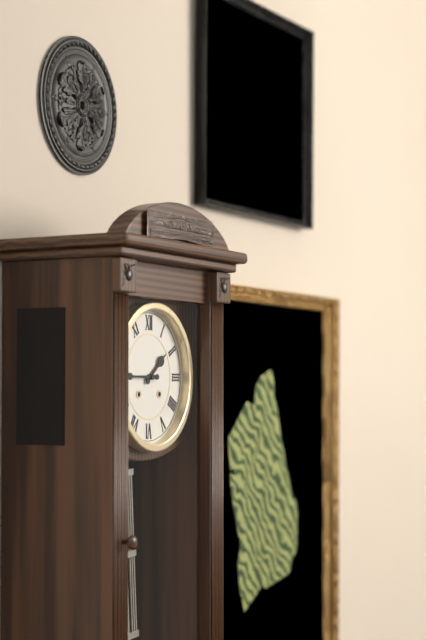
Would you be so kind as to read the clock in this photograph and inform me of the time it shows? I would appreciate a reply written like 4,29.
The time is 1,45
